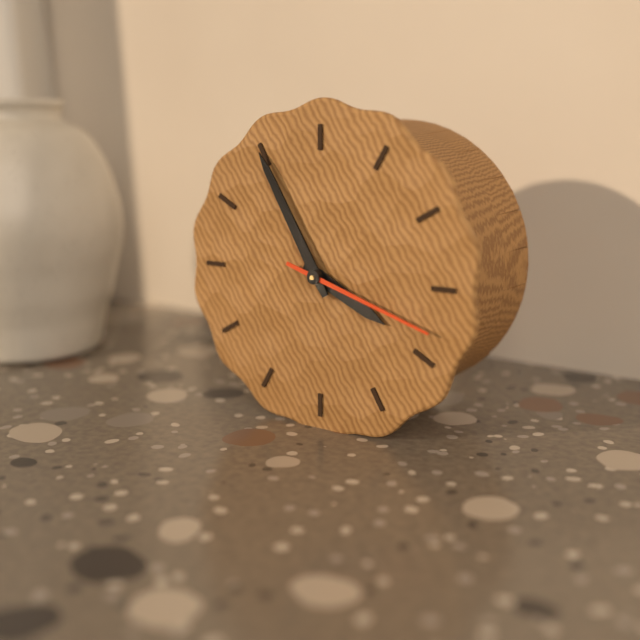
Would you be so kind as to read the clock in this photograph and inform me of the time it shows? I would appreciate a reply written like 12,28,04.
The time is 3,55,18
